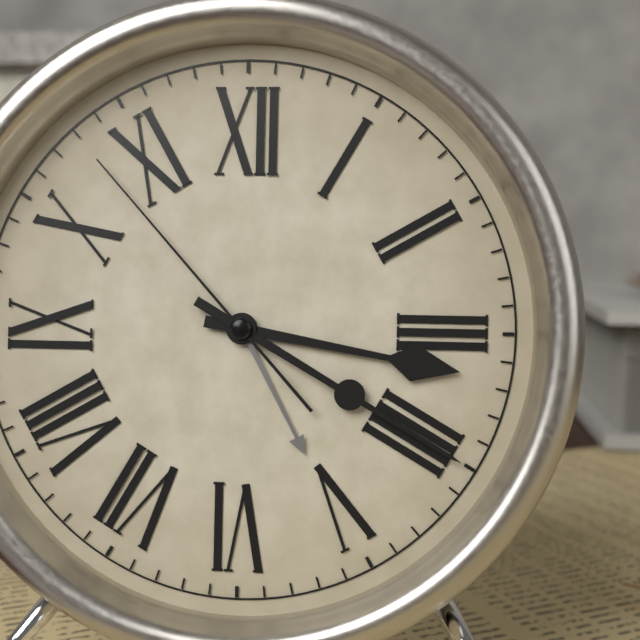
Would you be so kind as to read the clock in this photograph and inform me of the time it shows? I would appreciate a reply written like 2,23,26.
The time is 3,20,53
